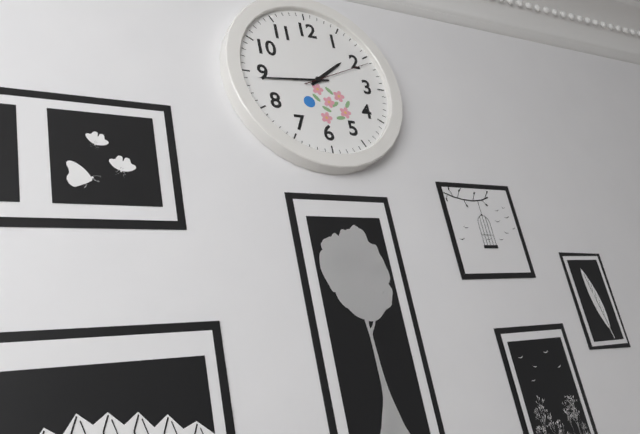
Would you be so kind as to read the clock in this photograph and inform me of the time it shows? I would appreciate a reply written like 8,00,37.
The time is 1,44,11
